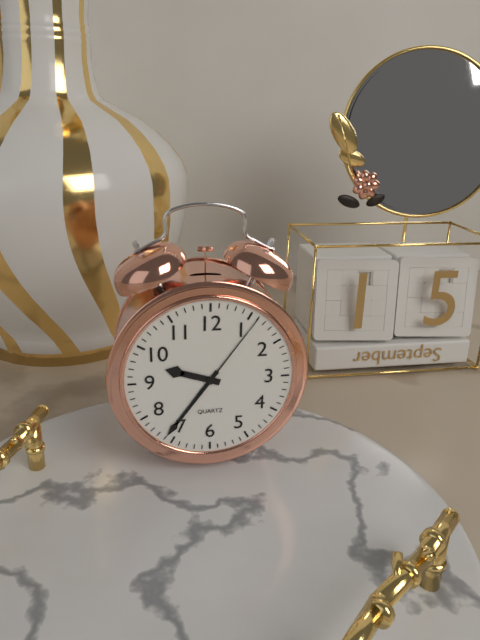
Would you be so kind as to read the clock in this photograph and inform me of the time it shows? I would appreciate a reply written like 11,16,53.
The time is 9,36,06
